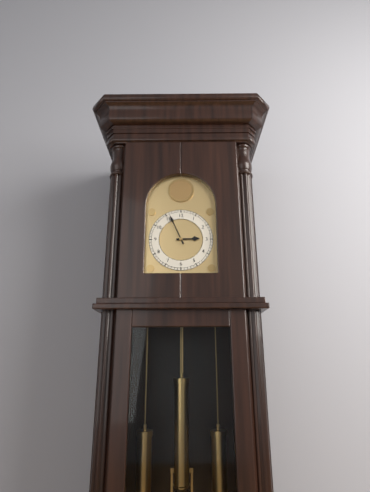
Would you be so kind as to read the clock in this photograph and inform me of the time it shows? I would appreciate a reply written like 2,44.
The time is 2,56
